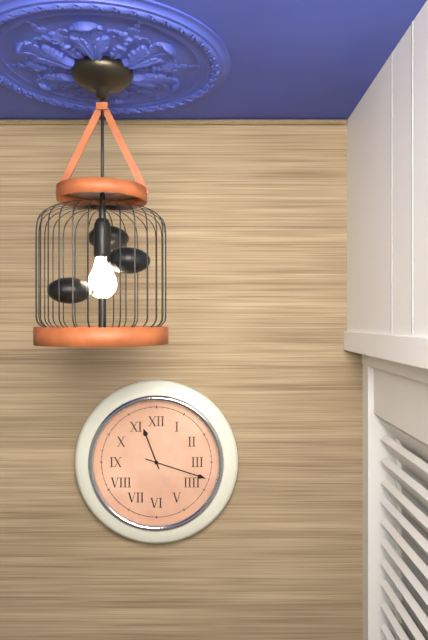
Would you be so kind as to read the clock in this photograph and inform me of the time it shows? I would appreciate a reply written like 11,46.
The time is 11,18
